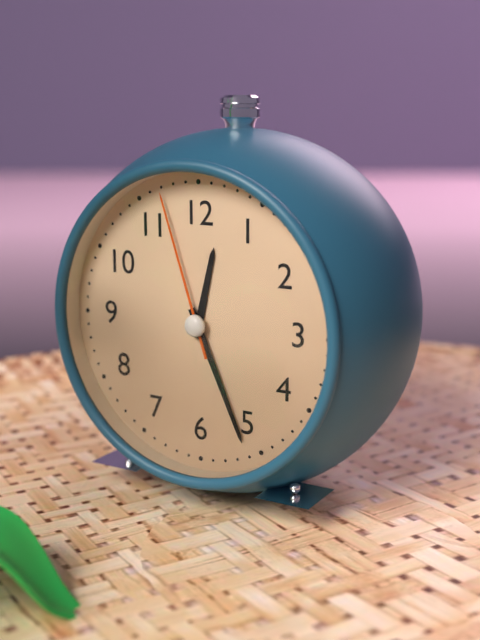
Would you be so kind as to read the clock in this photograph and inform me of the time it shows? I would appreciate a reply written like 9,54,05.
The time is 12,26,57
